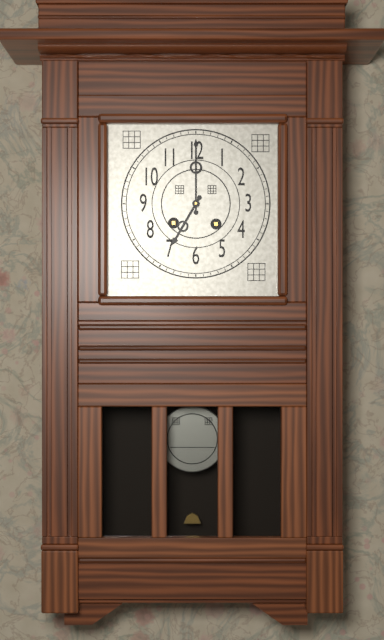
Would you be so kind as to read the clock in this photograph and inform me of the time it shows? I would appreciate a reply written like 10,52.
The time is 7,00
